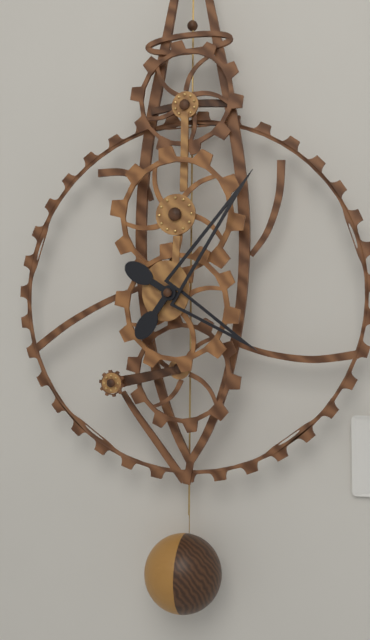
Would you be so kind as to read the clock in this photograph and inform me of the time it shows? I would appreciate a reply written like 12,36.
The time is 4,06
